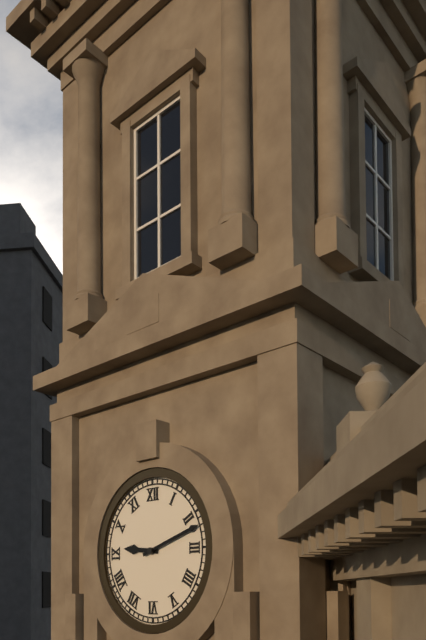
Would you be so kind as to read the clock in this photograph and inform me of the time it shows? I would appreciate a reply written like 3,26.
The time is 9,12
